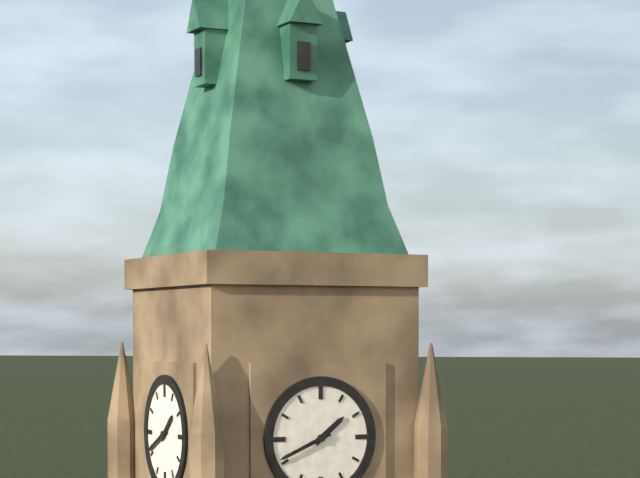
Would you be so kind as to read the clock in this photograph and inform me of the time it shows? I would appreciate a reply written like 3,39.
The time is 1,41
